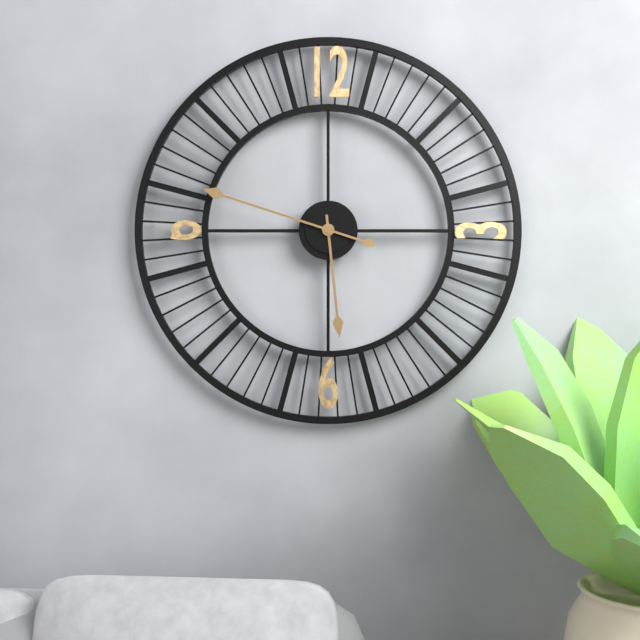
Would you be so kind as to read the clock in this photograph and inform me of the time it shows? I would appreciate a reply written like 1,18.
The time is 5,48
